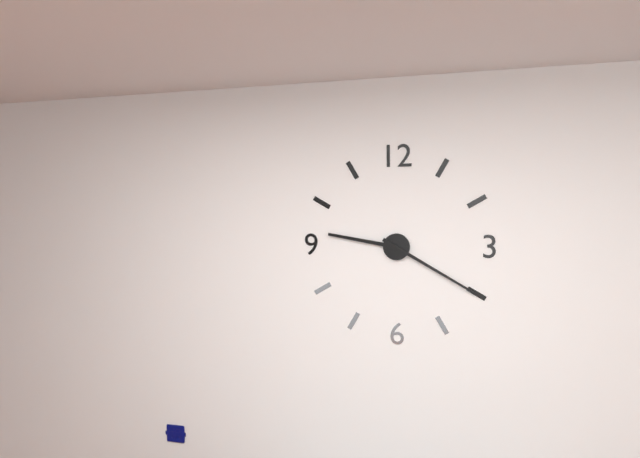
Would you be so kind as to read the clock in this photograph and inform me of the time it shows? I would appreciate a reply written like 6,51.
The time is 9,20
